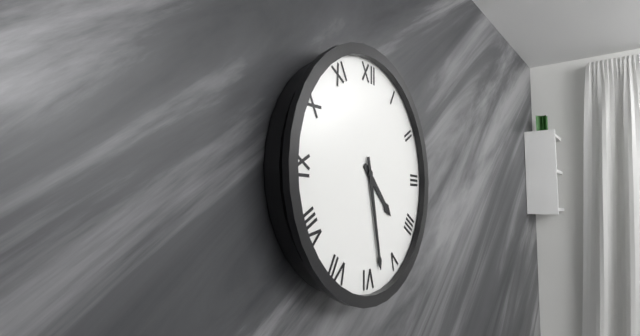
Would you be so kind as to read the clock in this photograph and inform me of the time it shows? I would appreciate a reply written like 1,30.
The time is 4,28
